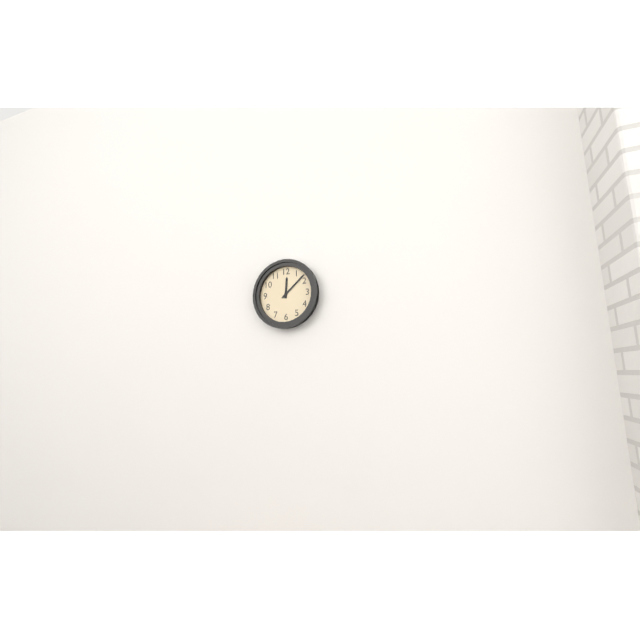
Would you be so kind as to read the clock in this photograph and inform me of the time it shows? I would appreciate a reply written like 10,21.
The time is 12,08
